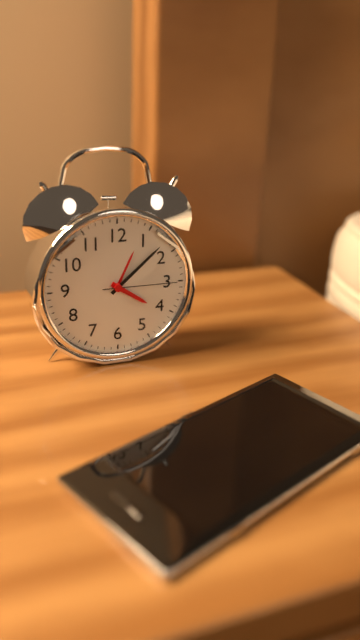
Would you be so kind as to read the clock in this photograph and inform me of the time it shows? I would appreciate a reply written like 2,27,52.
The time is 4,08,15
